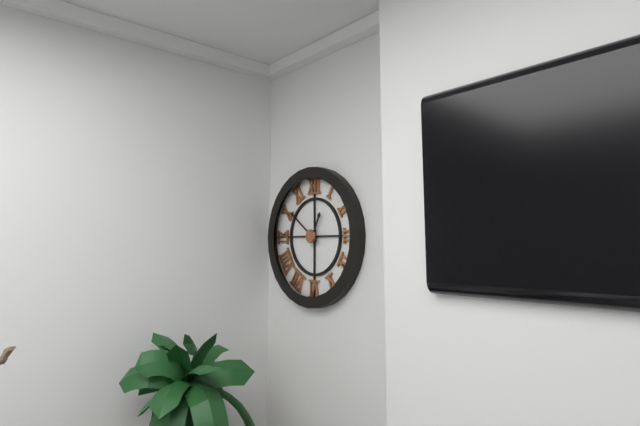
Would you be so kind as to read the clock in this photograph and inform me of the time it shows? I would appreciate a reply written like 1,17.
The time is 12,51
